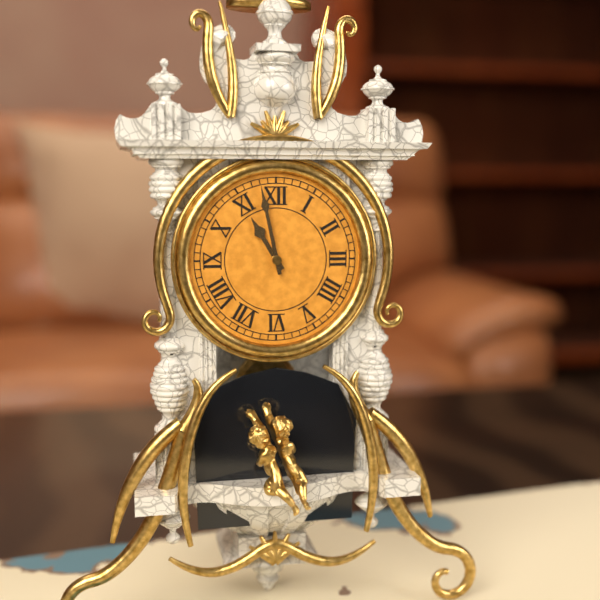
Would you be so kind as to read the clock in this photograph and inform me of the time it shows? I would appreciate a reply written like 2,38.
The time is 10,58
